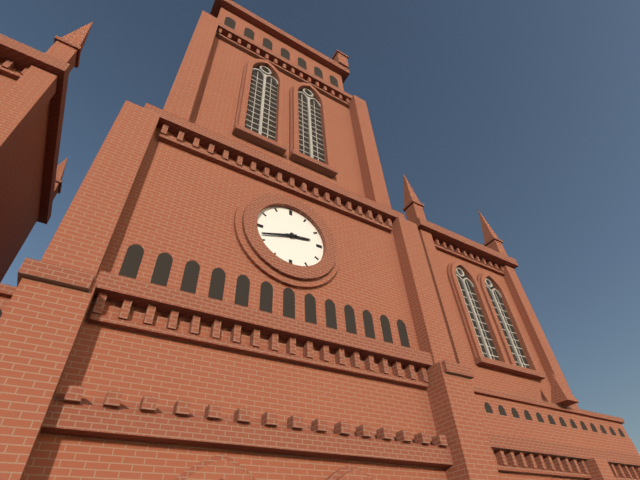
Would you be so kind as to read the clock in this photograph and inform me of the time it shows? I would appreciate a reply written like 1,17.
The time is 2,42
